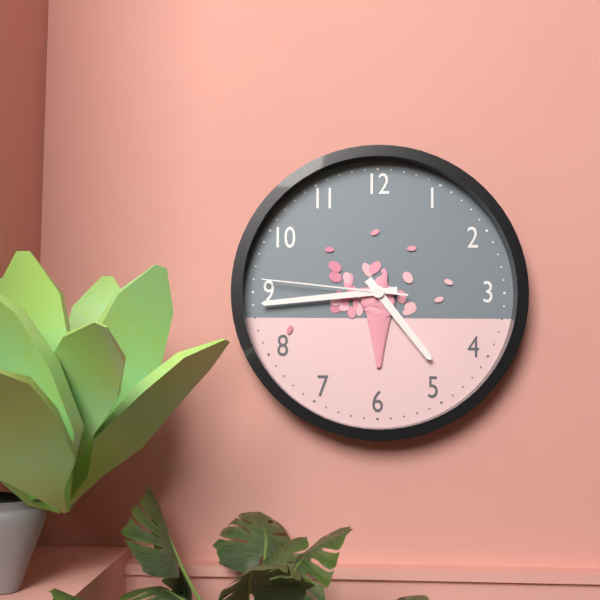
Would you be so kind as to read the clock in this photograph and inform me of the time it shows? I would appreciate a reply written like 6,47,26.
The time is 4,44,46
